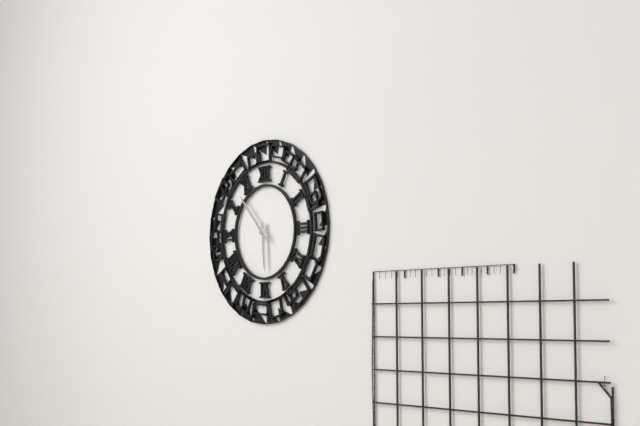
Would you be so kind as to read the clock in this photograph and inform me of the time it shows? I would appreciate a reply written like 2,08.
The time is 5,53
